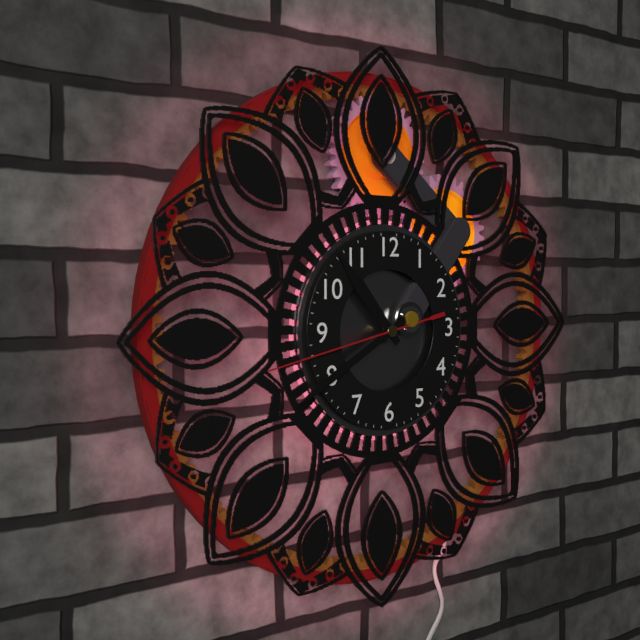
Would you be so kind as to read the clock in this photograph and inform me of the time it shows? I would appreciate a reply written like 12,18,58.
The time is 10,40,43
